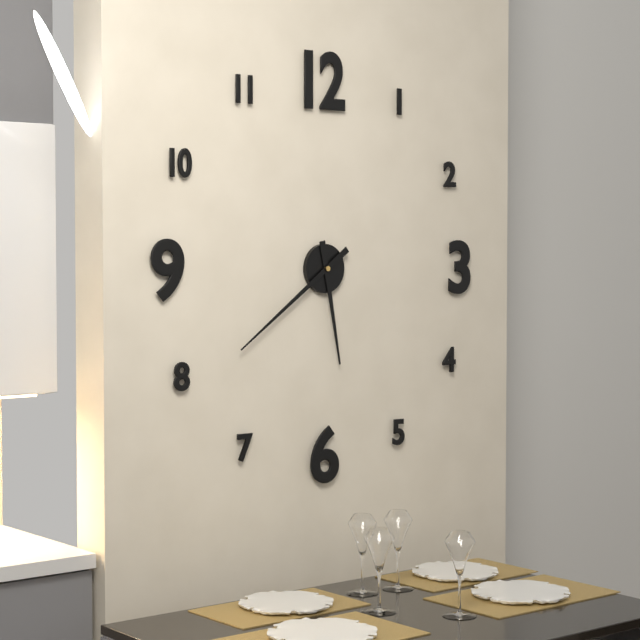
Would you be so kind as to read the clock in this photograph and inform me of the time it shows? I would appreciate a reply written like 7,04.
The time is 5,39
